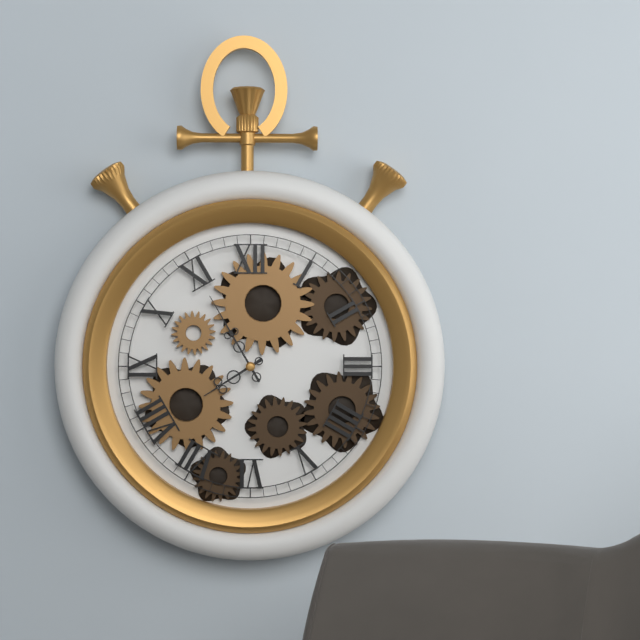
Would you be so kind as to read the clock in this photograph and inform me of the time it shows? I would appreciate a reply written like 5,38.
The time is 7,55
